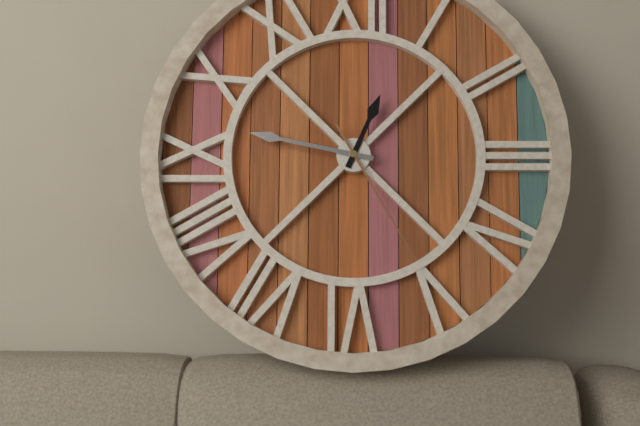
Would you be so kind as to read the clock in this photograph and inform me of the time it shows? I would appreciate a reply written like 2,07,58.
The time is 12,47,25
